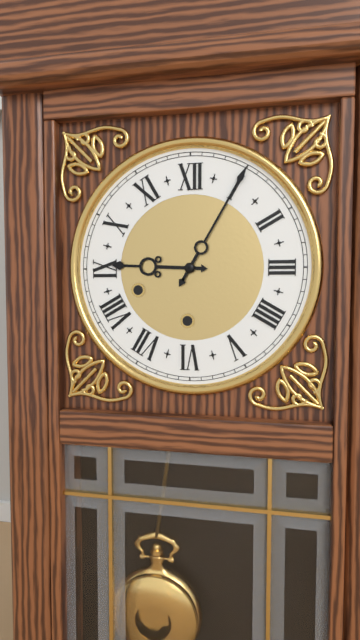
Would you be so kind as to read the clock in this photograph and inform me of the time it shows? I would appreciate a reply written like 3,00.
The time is 9,05
